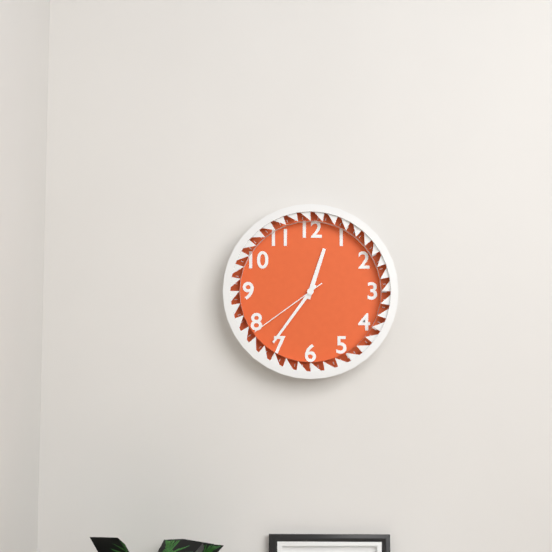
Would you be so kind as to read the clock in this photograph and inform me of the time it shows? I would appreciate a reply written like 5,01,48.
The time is 12,36,39
